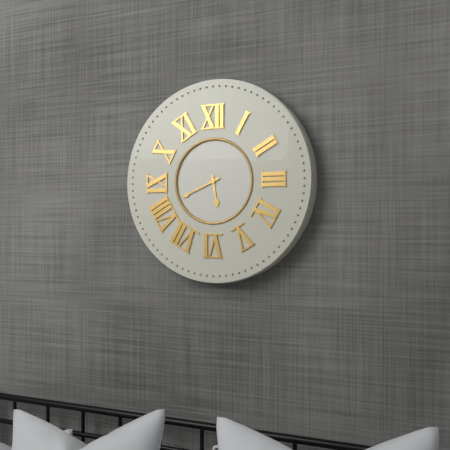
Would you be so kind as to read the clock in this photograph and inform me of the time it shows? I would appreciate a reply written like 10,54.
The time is 5,41
